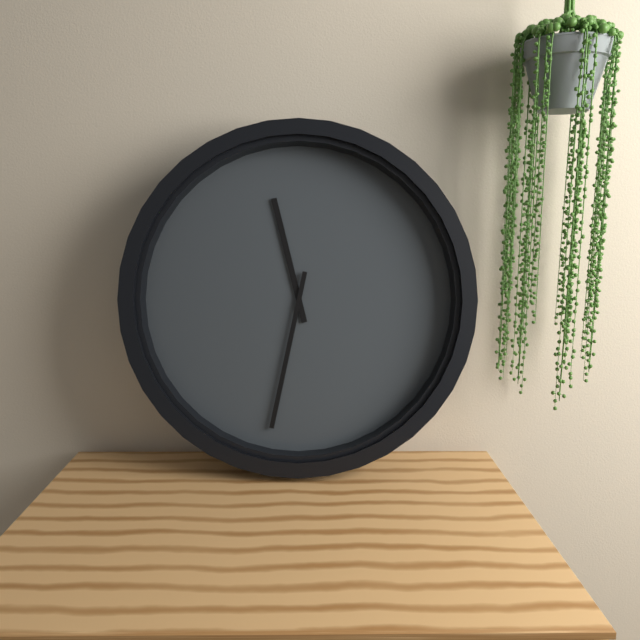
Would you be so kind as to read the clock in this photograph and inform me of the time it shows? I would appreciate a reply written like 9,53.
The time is 11,32
